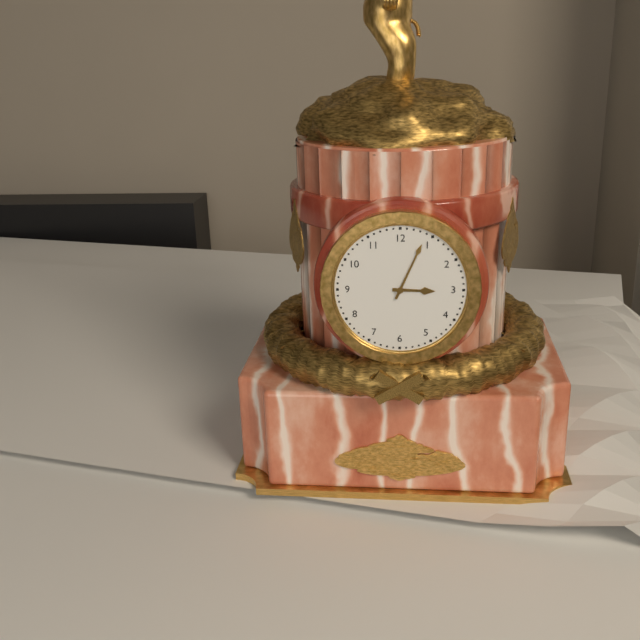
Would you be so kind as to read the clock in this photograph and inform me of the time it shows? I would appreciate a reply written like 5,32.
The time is 3,04
